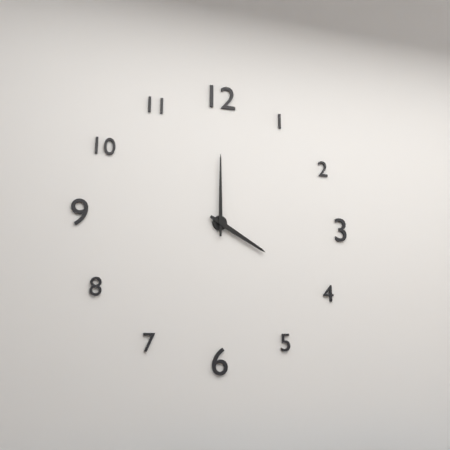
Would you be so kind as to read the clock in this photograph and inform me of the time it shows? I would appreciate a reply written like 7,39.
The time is 4,00
